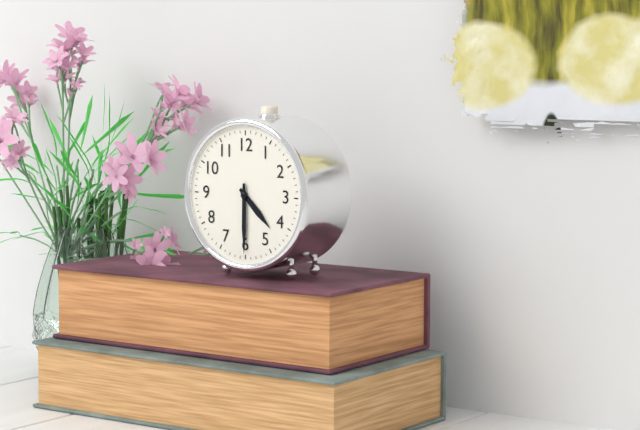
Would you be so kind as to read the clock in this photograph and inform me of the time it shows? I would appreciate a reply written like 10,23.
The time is 4,30
